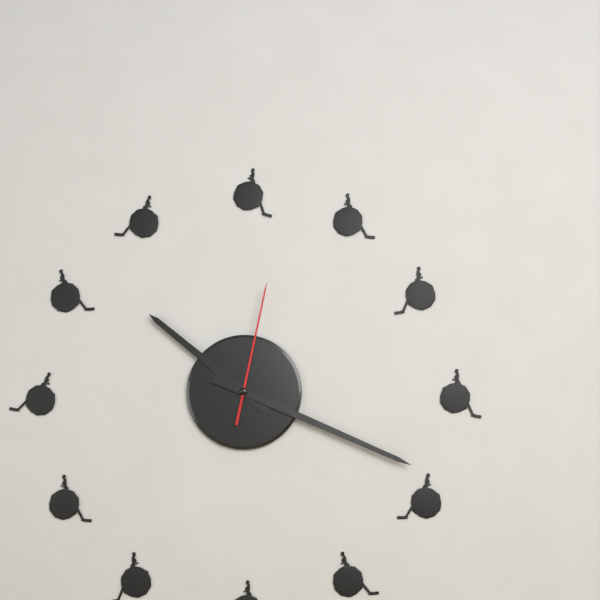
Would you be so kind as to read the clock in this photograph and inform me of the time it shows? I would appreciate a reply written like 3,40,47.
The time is 10,19,02
